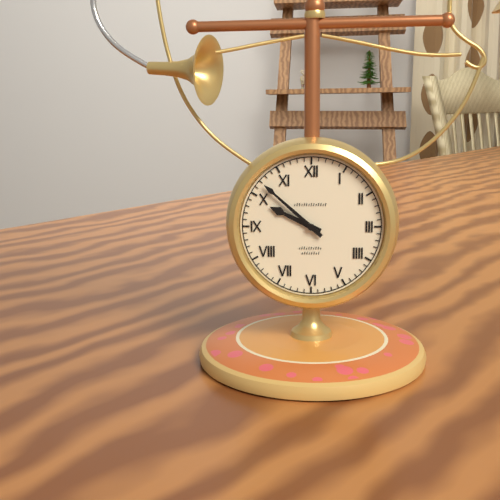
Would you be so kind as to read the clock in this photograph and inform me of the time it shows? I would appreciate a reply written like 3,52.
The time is 9,52
